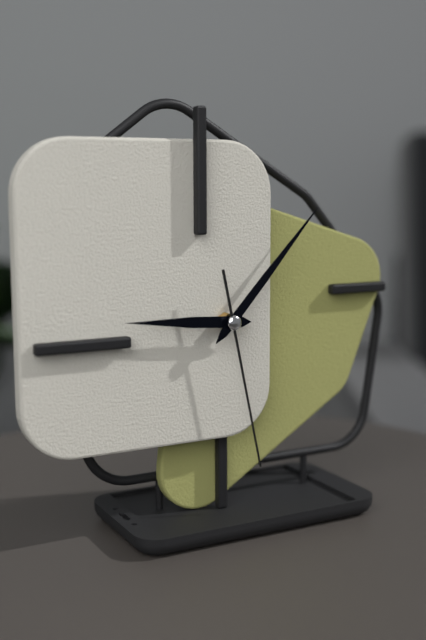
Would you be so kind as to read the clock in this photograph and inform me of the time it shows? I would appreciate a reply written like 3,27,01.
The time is 9,07,28
